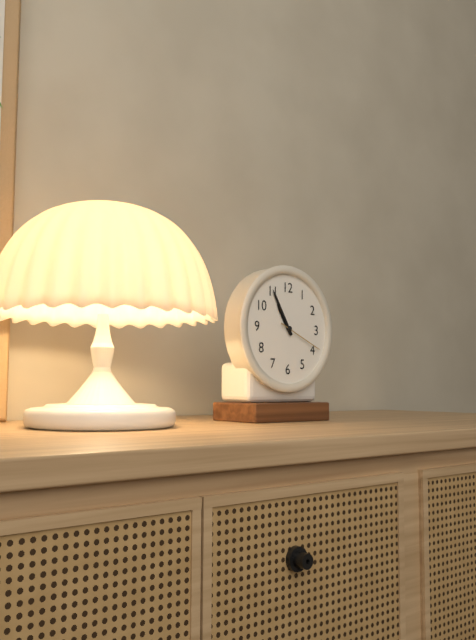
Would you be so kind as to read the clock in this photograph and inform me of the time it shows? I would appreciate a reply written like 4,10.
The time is 10,55
